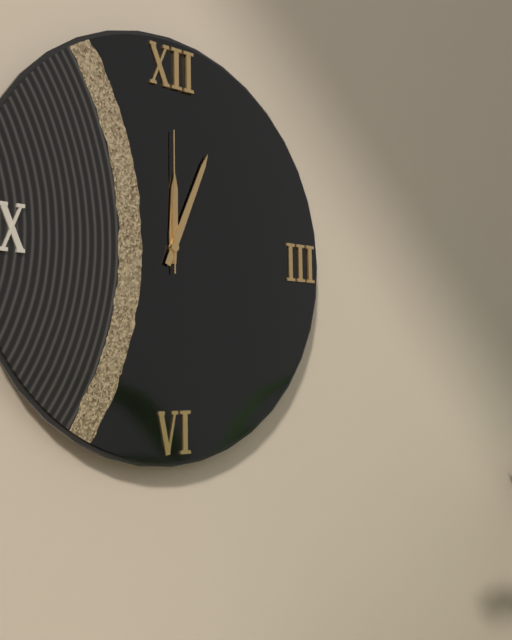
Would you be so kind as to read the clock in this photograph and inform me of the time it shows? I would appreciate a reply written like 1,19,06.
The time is 12,04,00
